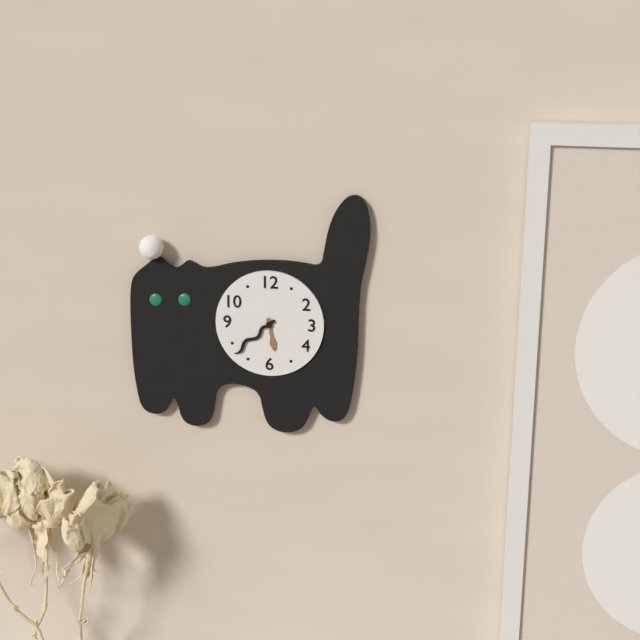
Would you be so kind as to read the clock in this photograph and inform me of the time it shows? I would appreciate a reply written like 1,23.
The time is 5,38
